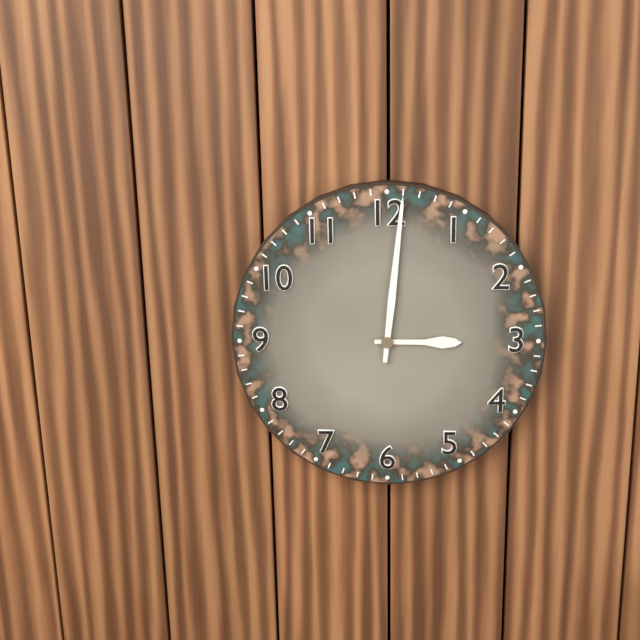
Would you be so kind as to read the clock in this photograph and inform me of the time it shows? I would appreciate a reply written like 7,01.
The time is 3,01
